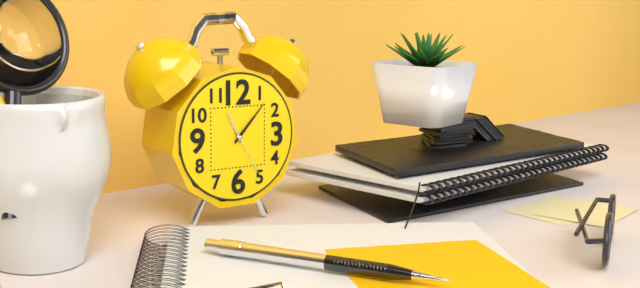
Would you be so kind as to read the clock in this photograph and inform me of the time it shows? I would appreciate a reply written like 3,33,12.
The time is 11,07,25
